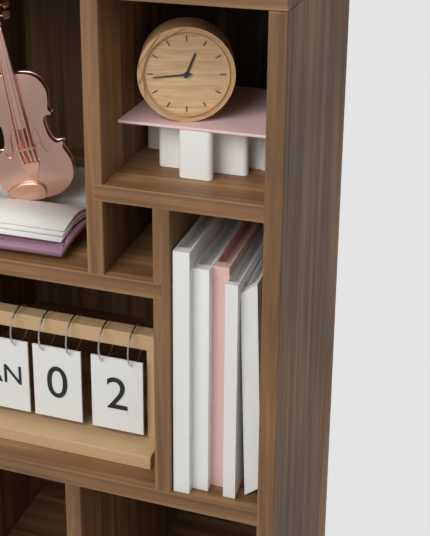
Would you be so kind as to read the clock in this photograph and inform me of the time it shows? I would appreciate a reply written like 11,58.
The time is 12,44
